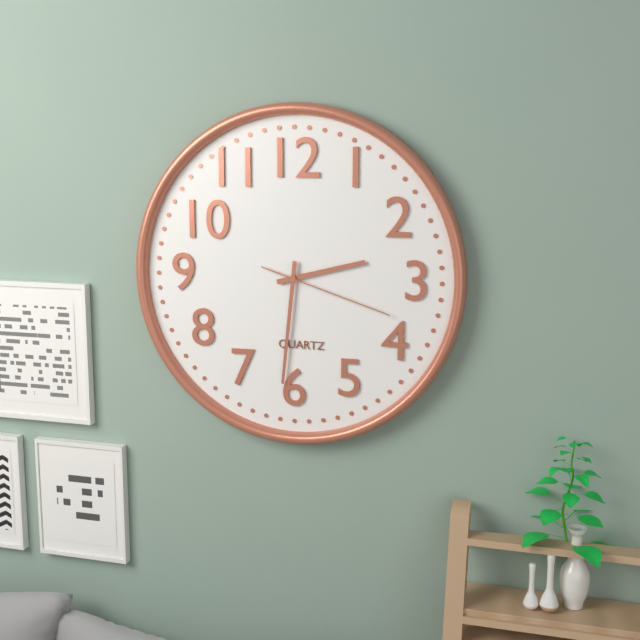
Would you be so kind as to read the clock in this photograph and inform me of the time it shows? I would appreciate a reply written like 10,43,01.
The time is 2,31,18
